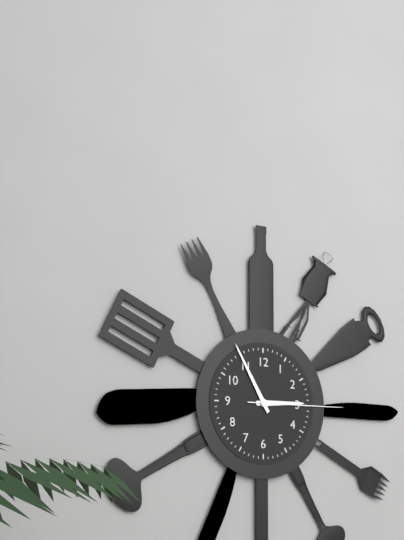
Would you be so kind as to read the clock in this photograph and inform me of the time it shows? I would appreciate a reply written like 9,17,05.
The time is 2,55,15
